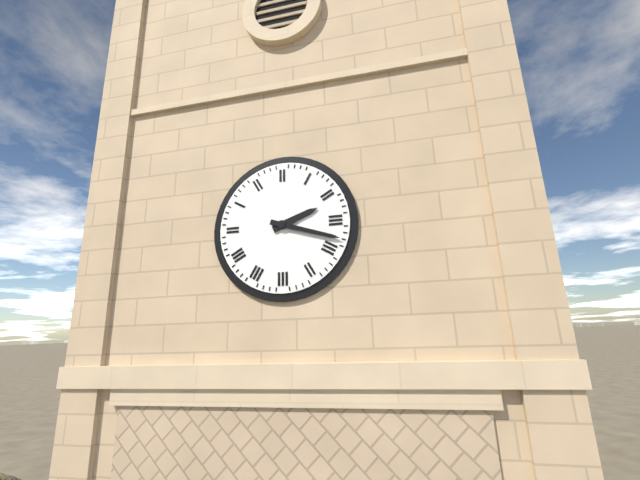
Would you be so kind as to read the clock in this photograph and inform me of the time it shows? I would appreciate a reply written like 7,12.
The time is 2,18
